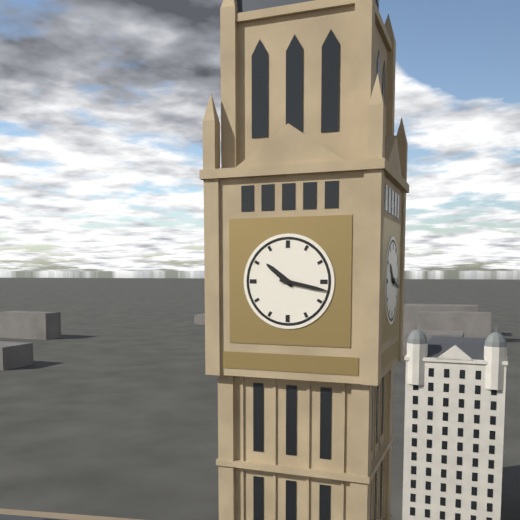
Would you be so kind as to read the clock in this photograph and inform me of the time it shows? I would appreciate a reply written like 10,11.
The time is 10,17
